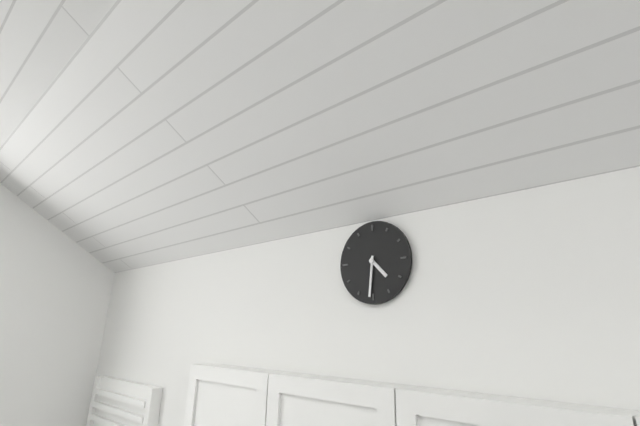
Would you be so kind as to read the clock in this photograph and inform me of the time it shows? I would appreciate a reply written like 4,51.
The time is 4,31
